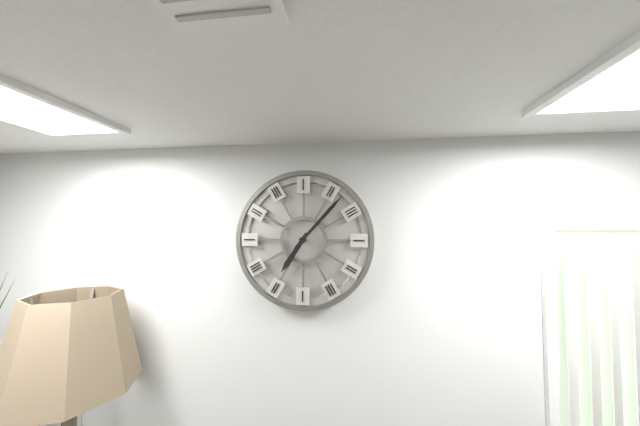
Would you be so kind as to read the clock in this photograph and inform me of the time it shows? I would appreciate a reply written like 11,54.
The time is 7,07
